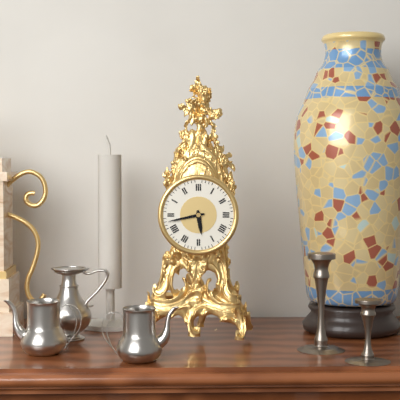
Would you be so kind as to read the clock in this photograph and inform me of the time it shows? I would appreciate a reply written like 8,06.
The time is 5,43
